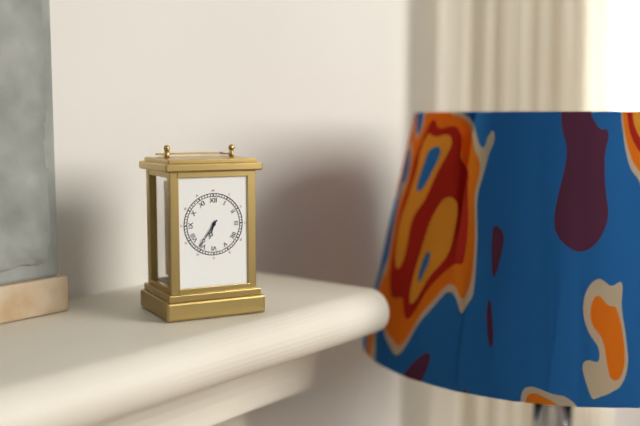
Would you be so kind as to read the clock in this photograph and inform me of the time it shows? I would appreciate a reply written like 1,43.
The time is 6,36
